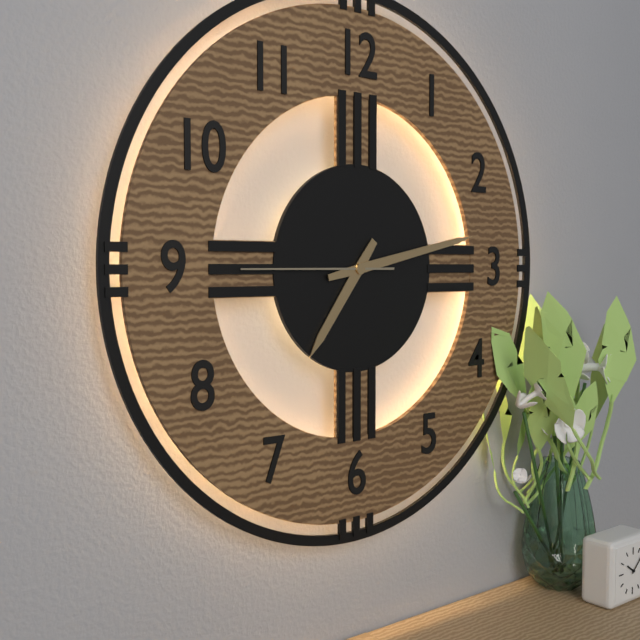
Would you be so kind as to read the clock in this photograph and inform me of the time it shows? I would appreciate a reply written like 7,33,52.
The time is 7,13,45
